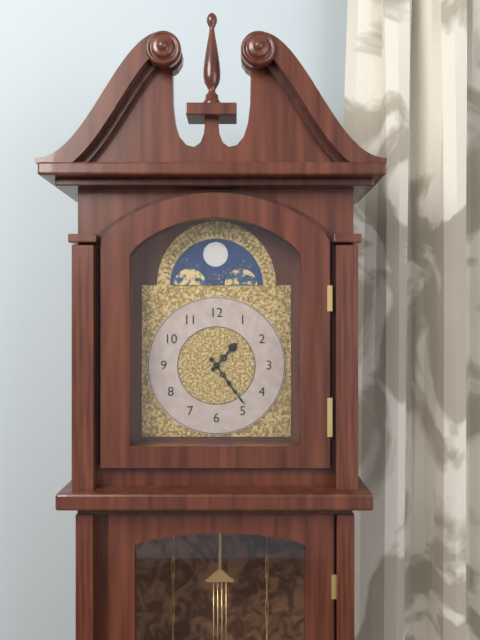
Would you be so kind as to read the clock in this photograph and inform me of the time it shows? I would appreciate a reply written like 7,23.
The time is 1,24
